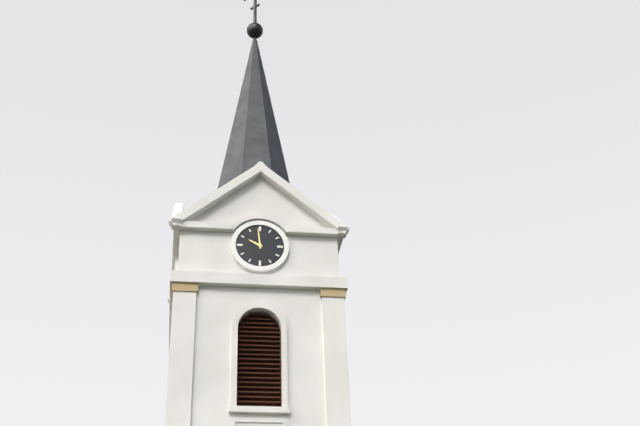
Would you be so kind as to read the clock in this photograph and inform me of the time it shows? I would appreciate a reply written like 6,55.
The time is 9,59
